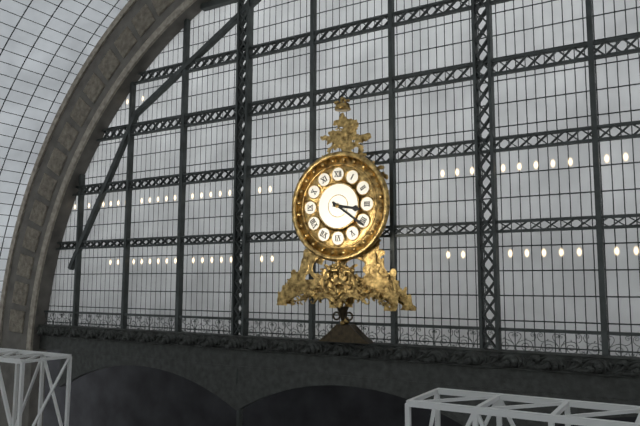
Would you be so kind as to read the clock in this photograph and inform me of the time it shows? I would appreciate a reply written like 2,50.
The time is 3,21
